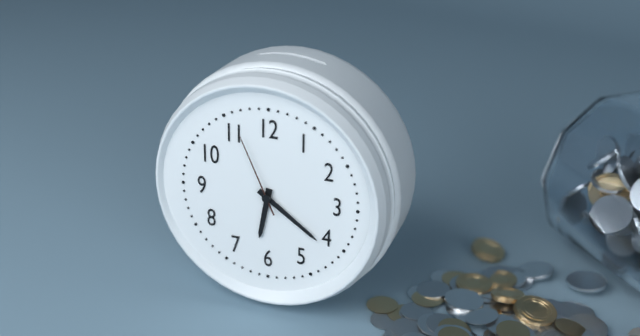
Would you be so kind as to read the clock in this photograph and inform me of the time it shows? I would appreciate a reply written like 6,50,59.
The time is 6,21,56
